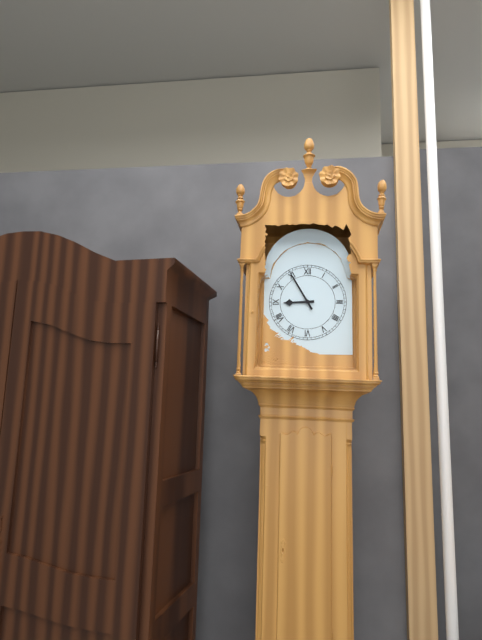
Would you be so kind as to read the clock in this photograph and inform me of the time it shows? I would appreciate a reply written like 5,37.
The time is 8,55
